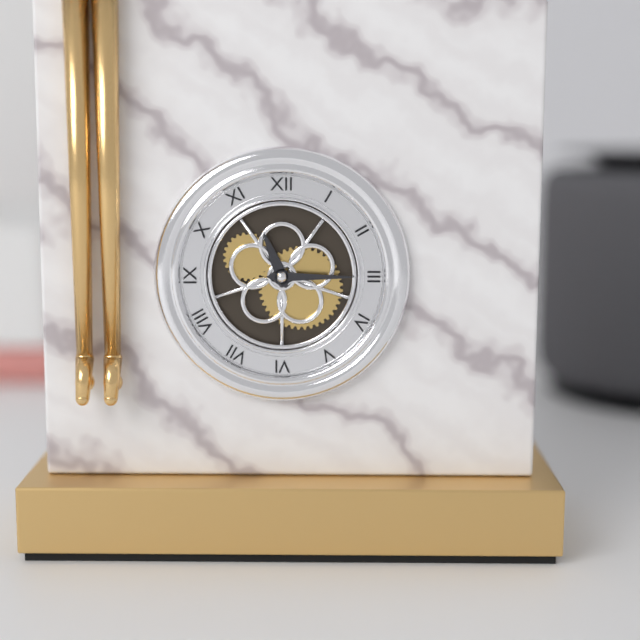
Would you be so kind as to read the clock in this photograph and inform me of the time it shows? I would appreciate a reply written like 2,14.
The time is 11,15
